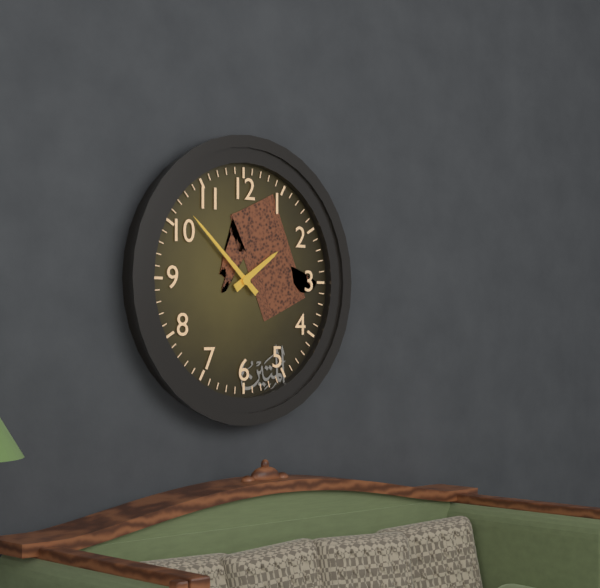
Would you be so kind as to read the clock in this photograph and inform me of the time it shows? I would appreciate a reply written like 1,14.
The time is 1,52
